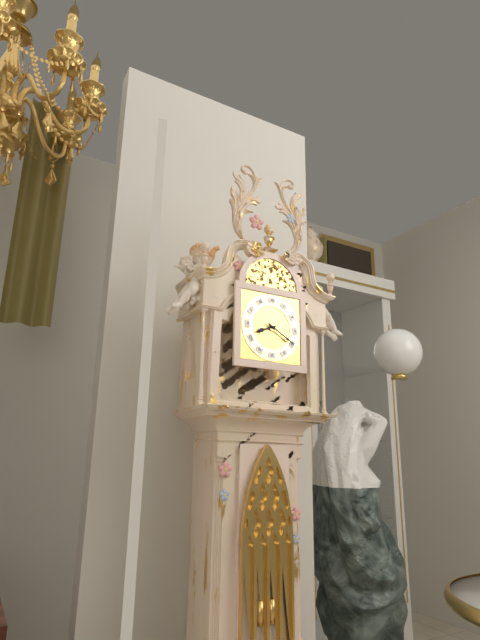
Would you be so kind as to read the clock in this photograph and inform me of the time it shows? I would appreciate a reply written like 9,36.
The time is 8,20
